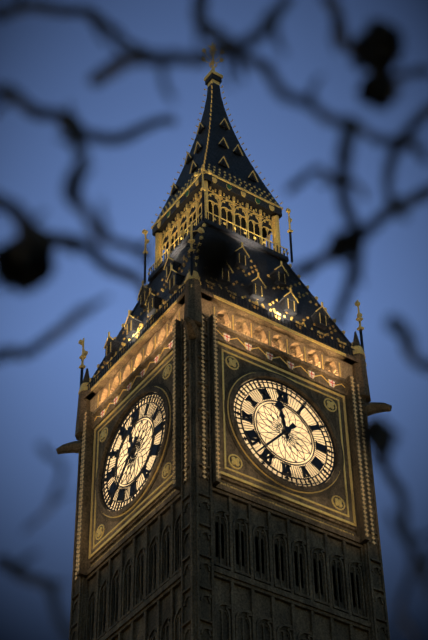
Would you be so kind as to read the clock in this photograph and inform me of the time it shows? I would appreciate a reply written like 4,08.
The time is 11,37
